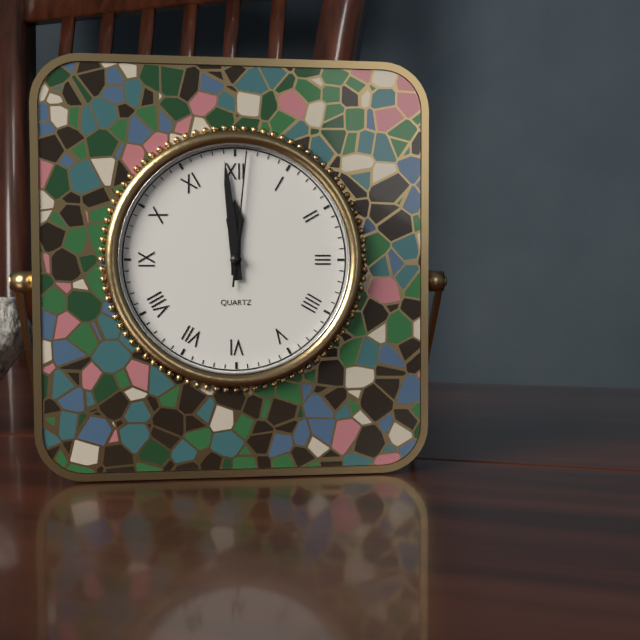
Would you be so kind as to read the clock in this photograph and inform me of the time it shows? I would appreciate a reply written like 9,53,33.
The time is 11,59,01
